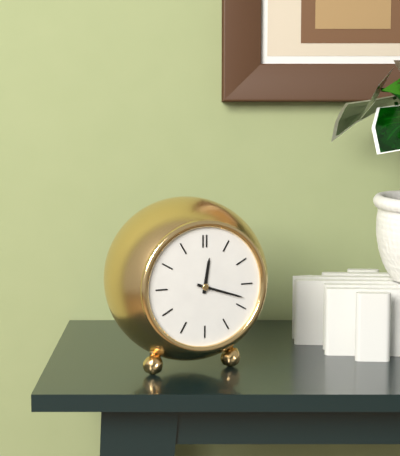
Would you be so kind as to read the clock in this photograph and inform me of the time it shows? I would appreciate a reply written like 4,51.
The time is 12,18
